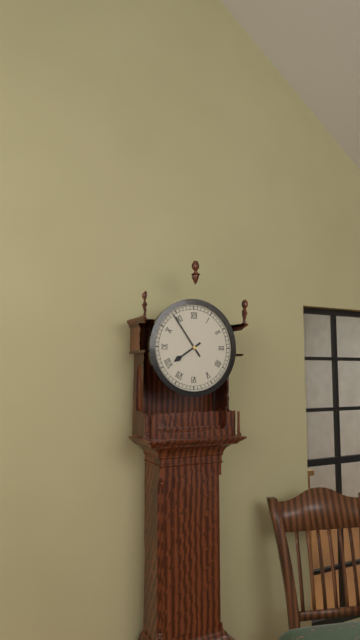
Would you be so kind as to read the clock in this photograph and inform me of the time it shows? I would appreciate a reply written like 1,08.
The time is 7,54
